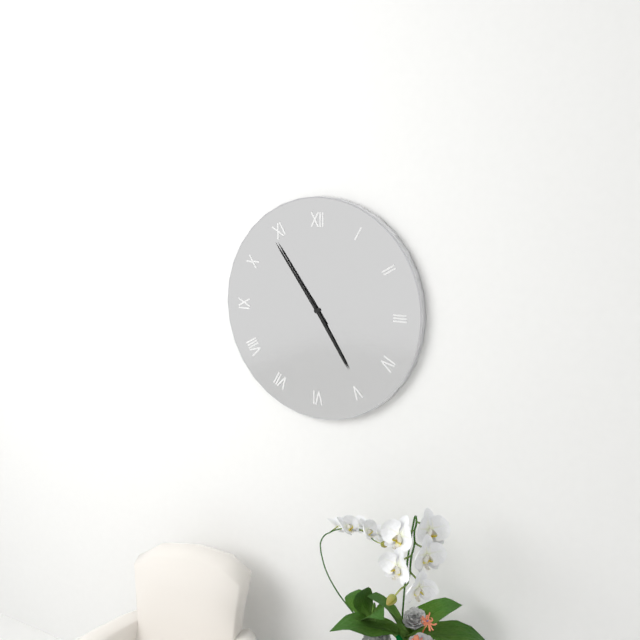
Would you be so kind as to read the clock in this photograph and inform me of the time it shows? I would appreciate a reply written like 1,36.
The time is 4,54
